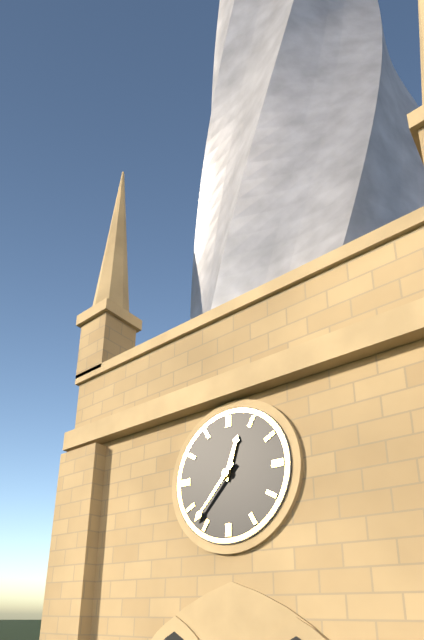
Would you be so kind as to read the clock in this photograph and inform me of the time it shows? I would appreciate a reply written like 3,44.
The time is 12,37
